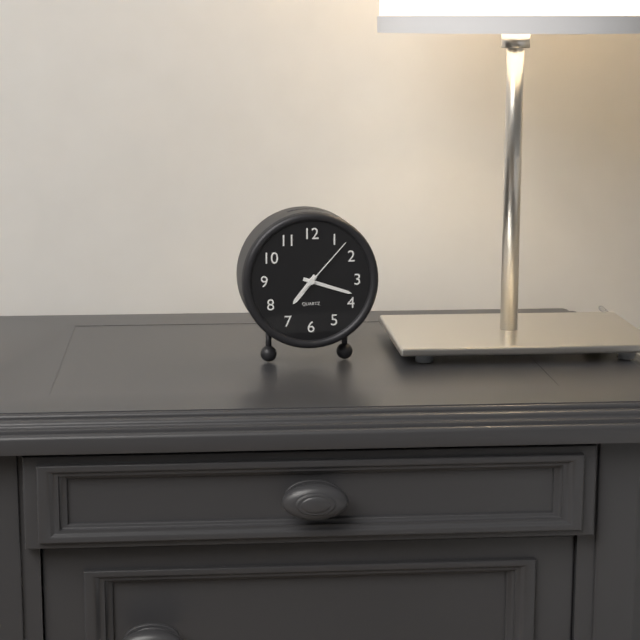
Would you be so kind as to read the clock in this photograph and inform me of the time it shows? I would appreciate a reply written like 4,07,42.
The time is 7,18,07
